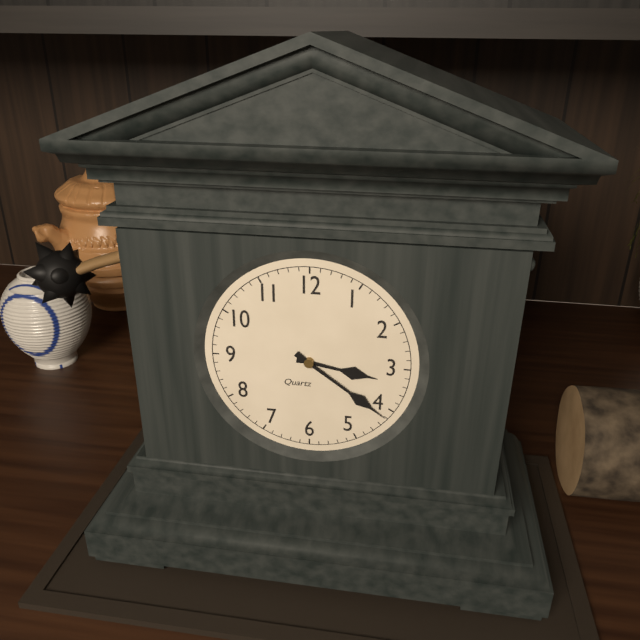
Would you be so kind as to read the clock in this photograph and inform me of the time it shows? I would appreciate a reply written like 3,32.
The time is 3,21
